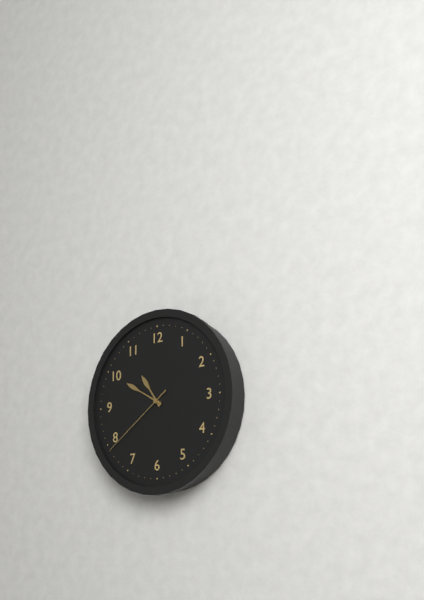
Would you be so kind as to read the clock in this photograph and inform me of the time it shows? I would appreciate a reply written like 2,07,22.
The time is 10,50,39
